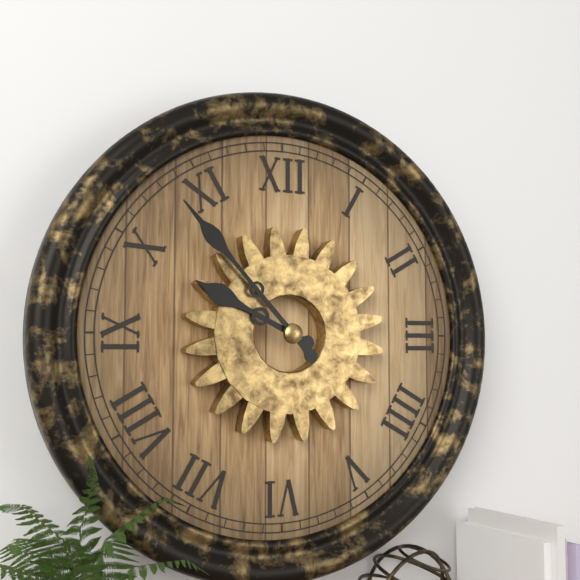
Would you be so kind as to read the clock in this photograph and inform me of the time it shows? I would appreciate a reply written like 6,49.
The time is 9,53
